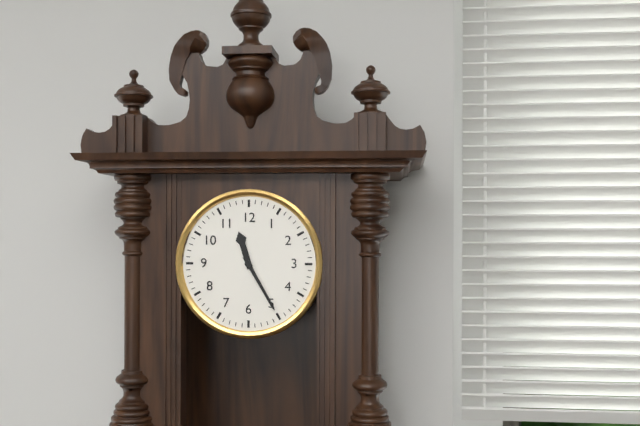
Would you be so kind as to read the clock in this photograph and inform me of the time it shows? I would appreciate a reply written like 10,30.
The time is 11,25
